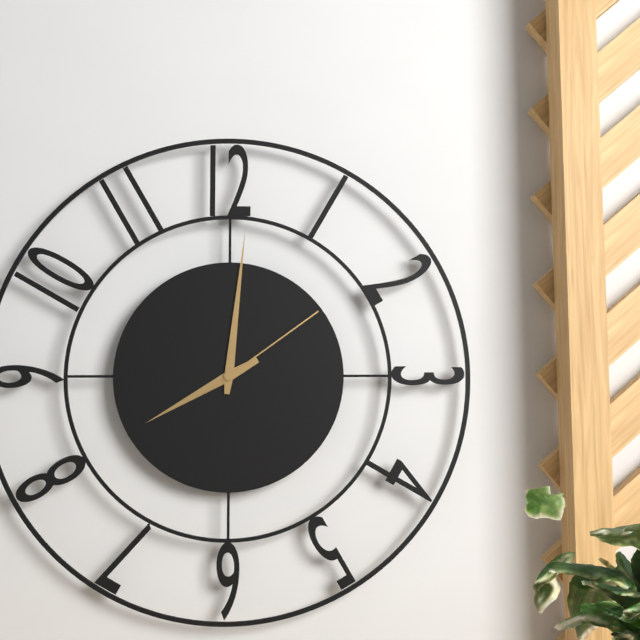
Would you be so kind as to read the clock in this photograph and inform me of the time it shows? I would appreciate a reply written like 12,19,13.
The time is 8,01,09
